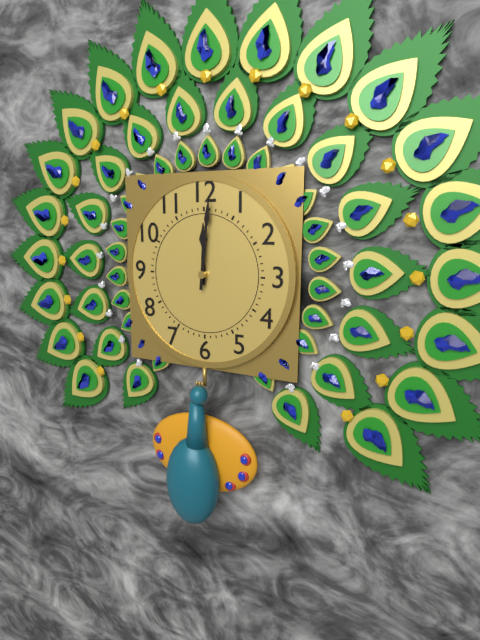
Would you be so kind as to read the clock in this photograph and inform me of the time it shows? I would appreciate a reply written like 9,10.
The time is 12,01
